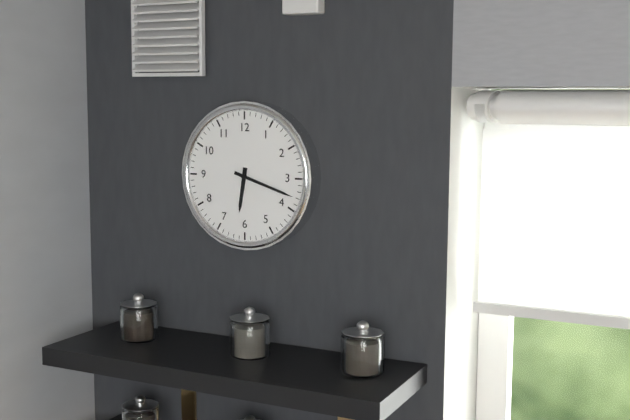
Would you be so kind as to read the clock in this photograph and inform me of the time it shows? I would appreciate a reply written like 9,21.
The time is 6,18
